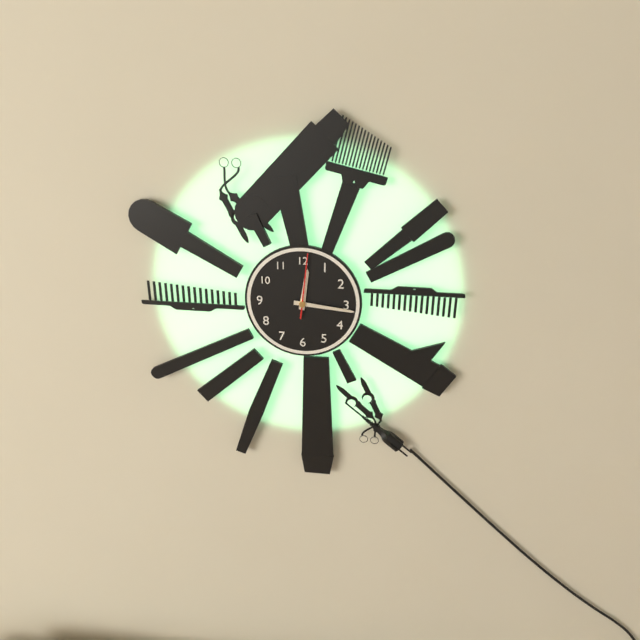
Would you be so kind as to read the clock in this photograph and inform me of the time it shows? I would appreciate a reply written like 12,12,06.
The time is 12,16,01
